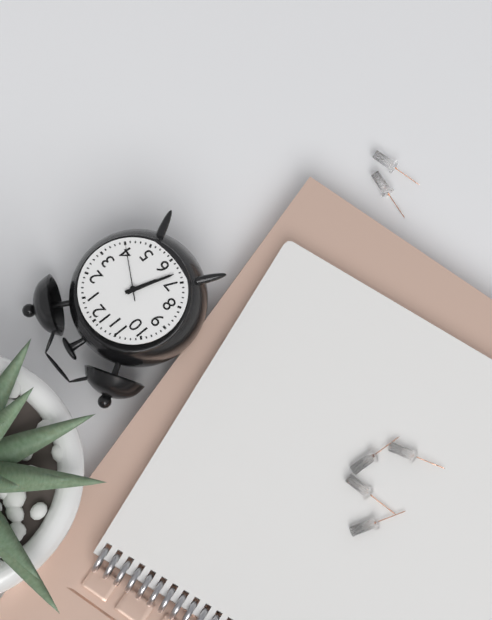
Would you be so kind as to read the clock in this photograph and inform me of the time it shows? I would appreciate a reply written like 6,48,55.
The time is 6,33,20
